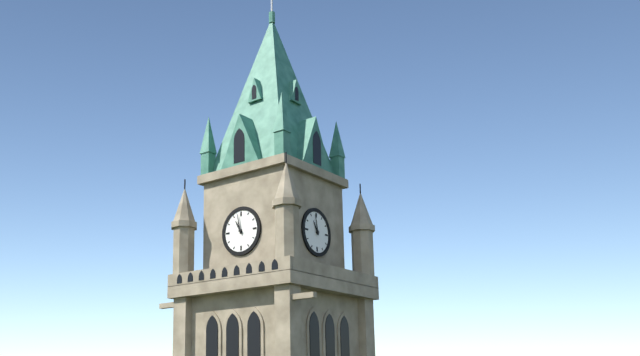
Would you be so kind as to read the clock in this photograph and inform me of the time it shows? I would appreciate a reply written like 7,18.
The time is 10,58
